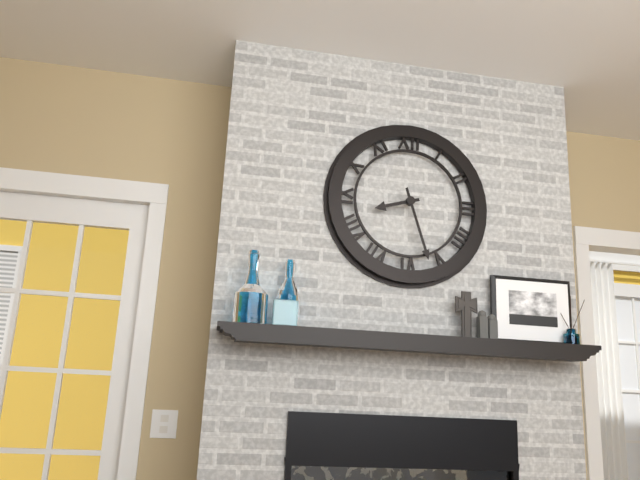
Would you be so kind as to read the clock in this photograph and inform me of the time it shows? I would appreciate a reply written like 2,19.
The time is 8,27
